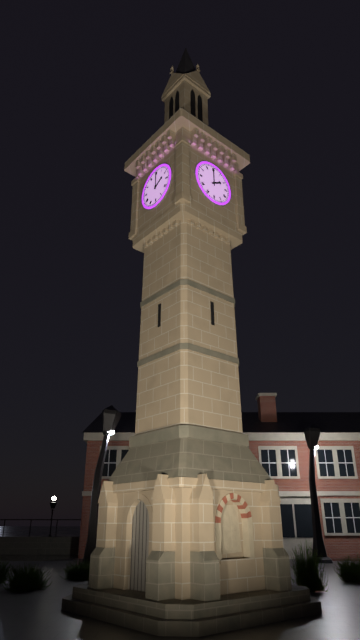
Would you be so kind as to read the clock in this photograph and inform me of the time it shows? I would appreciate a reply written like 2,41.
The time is 2,00
